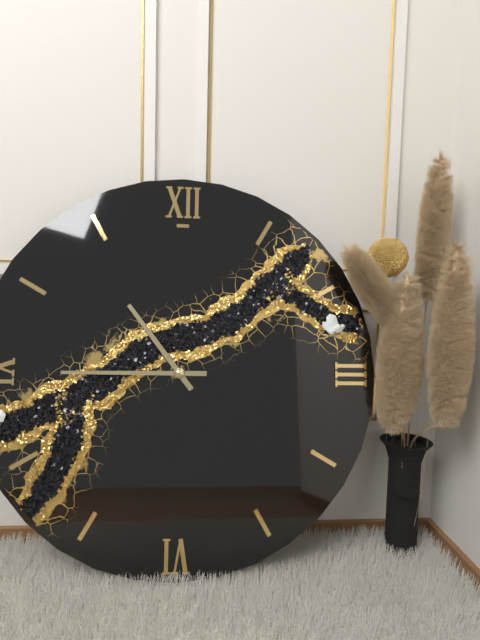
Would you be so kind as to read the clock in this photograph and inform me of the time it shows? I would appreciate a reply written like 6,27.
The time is 10,45
